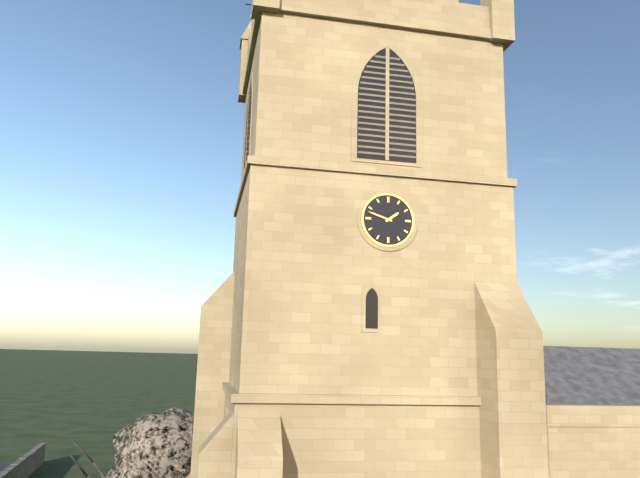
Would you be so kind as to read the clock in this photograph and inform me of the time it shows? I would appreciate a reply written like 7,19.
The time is 1,48
